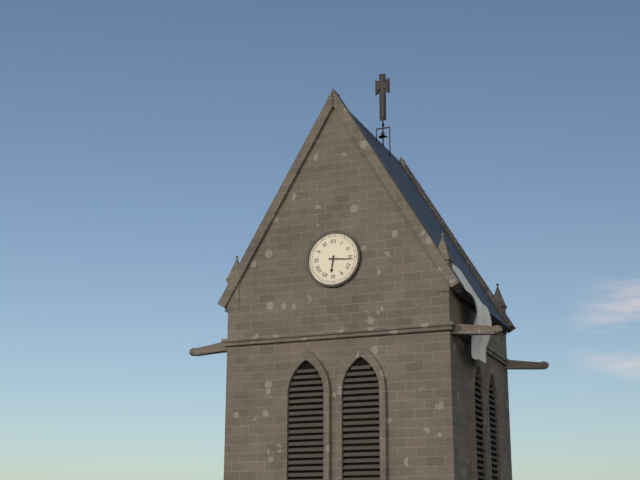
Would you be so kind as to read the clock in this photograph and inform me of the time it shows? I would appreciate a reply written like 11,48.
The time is 6,16
